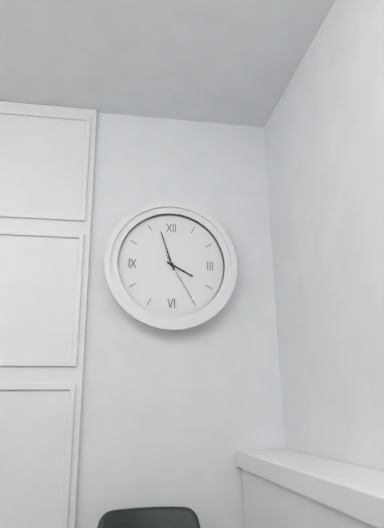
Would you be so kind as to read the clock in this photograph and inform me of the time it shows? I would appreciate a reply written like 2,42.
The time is 3,57
